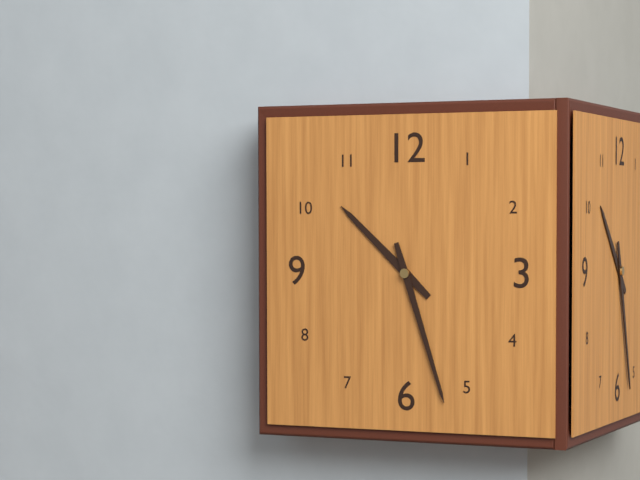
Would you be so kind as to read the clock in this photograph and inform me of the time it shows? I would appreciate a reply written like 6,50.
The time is 10,27
